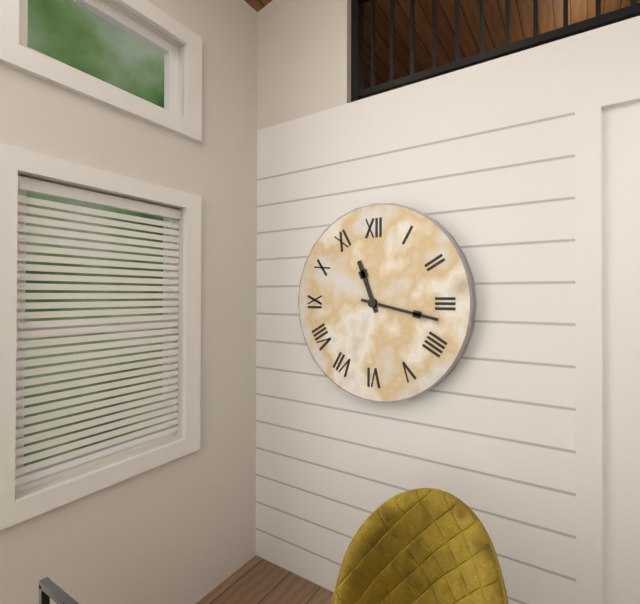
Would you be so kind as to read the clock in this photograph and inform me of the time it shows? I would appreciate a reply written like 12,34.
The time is 11,17
